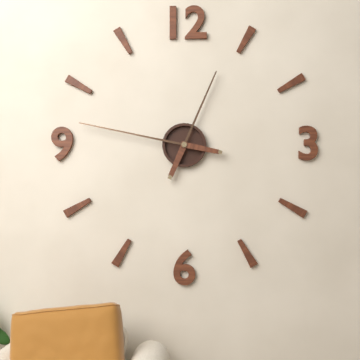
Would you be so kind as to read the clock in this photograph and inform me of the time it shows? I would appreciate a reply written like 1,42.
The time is 12,47
